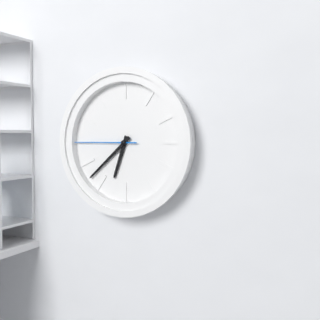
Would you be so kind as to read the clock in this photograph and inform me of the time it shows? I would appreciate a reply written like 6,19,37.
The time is 6,38,45
